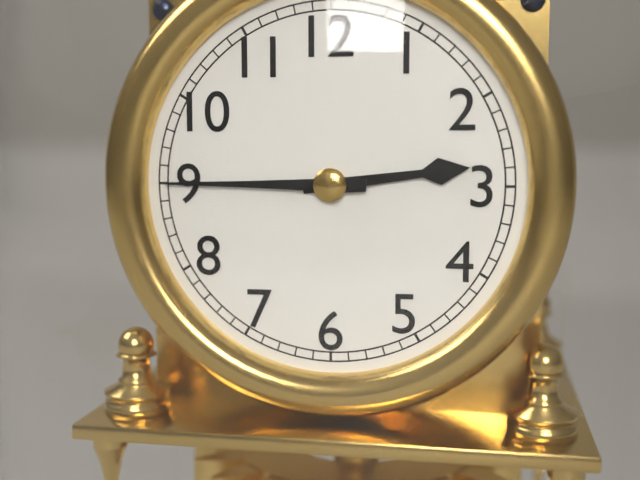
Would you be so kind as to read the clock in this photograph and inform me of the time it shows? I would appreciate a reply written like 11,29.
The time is 2,45
